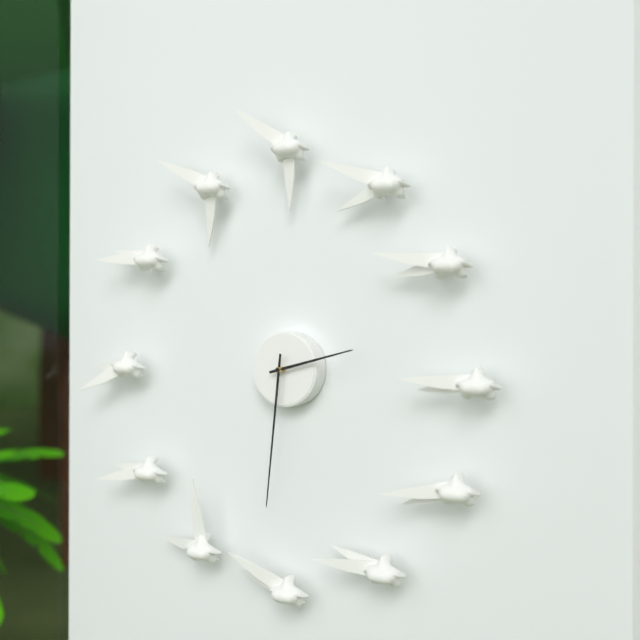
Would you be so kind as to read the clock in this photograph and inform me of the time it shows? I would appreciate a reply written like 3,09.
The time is 2,31
